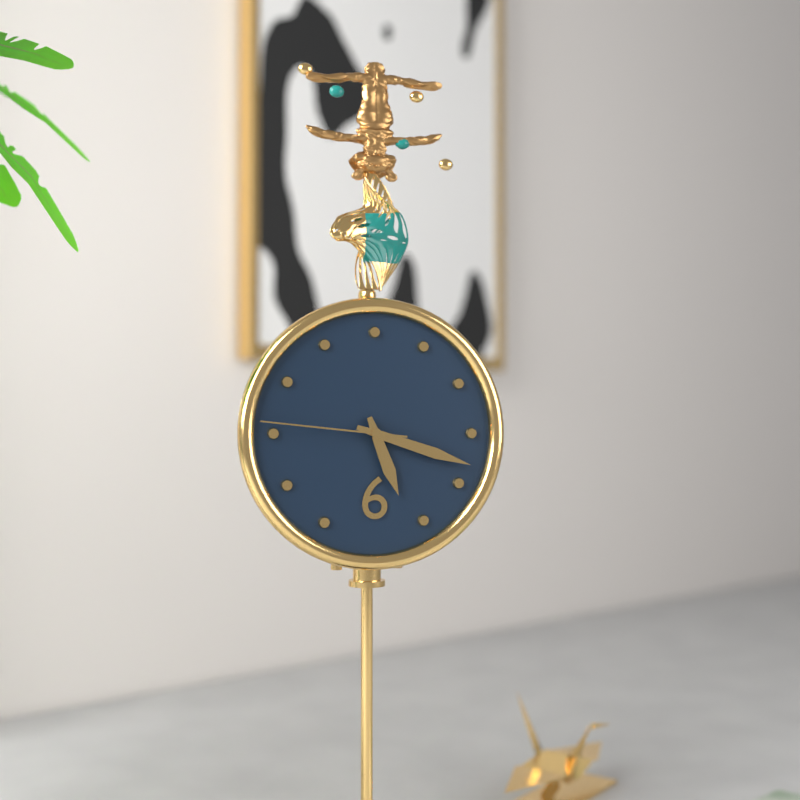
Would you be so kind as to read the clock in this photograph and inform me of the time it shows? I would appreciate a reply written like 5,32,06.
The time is 5,18,46
